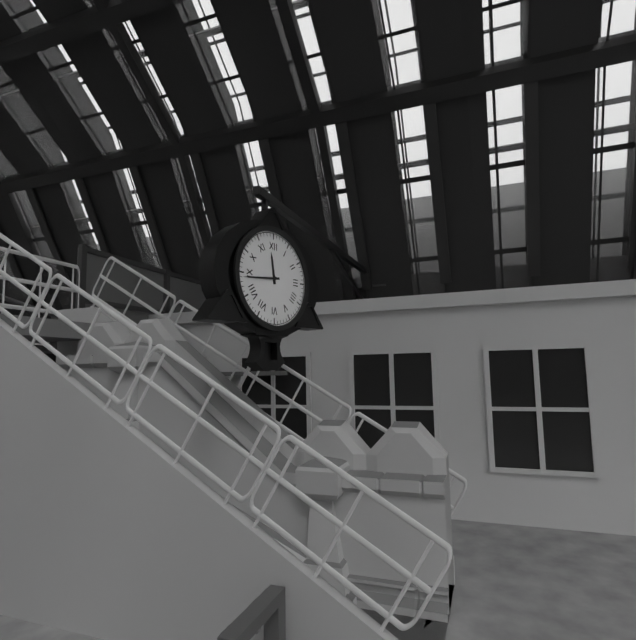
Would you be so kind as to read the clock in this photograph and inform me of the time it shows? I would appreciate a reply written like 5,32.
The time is 11,44
